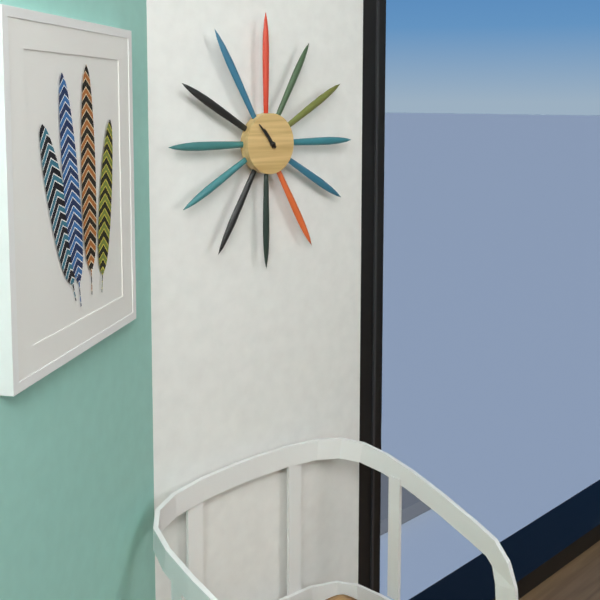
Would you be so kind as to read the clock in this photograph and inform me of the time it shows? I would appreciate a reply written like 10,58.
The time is 10,53
